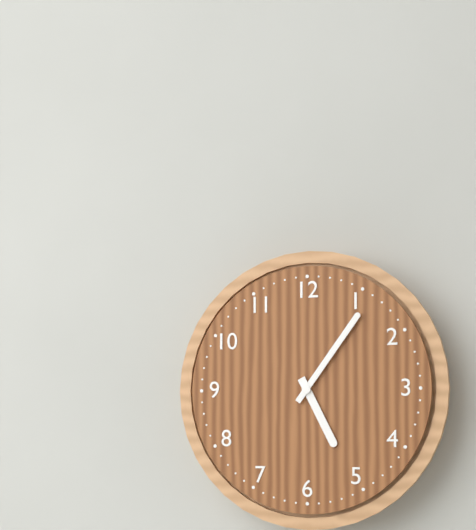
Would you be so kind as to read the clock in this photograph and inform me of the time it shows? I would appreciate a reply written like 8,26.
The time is 5,06
